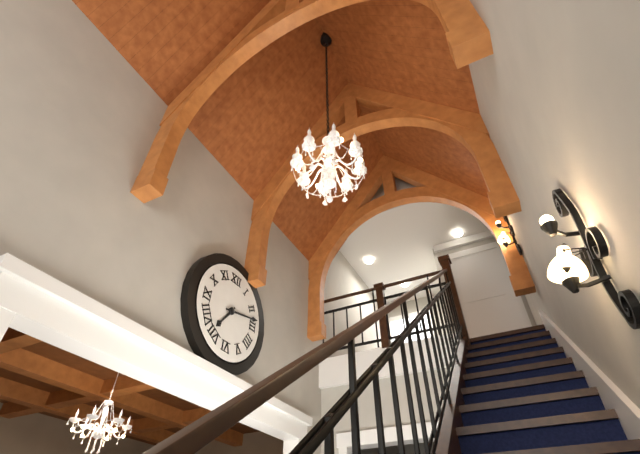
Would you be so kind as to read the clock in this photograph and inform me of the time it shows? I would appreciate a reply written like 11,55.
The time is 7,13
